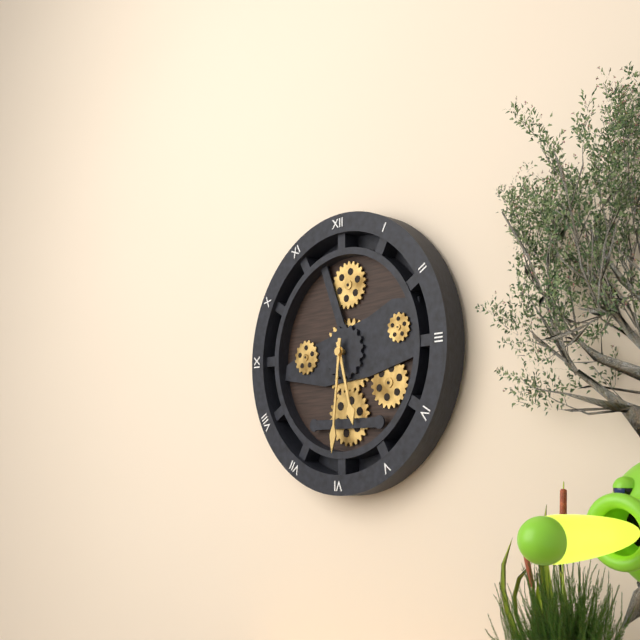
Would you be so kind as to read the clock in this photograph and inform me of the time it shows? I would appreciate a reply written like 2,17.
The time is 5,31
